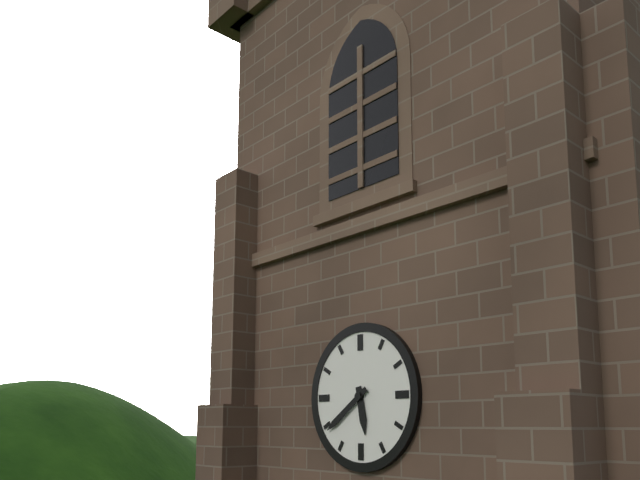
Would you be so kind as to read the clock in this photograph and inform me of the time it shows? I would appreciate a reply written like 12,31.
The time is 5,39
